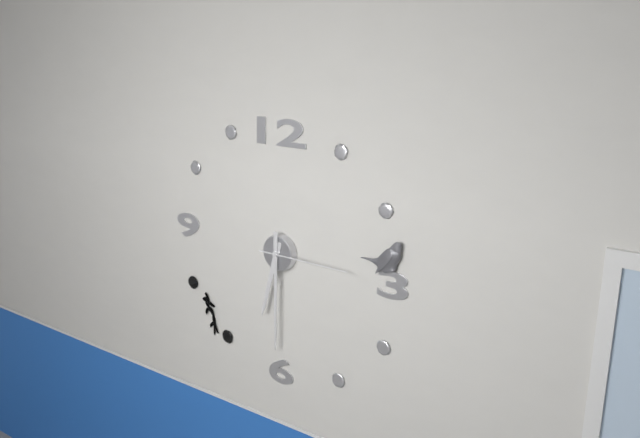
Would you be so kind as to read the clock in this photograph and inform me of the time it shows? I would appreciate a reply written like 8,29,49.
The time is 6,30,15
